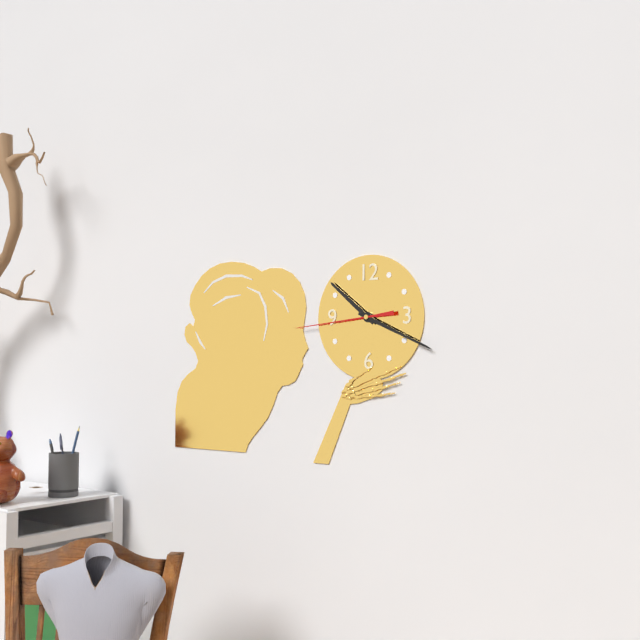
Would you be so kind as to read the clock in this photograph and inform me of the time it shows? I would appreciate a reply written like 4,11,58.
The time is 10,19,44
